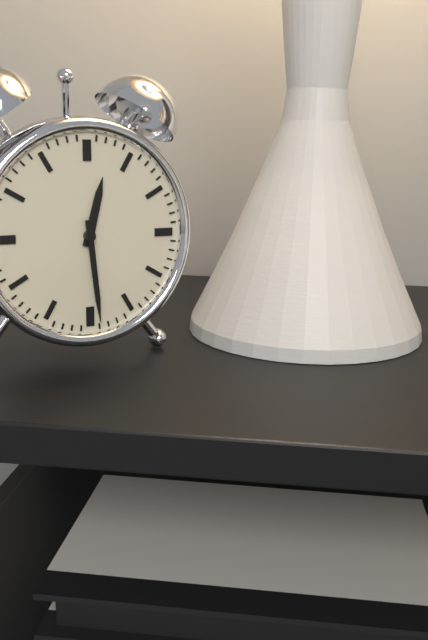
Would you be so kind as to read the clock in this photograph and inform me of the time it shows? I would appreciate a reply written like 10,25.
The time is 12,29
